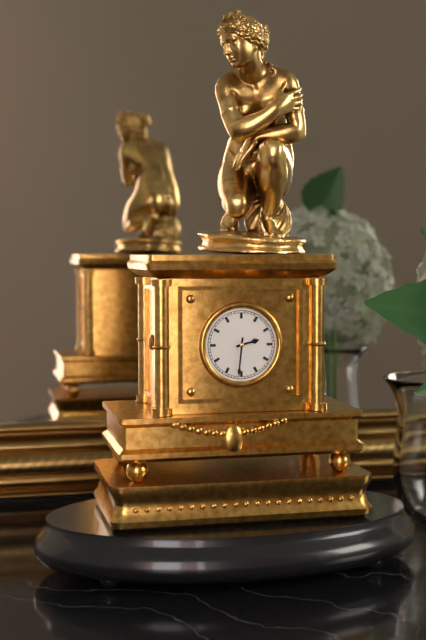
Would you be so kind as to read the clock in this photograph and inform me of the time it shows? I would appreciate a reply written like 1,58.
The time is 2,31
